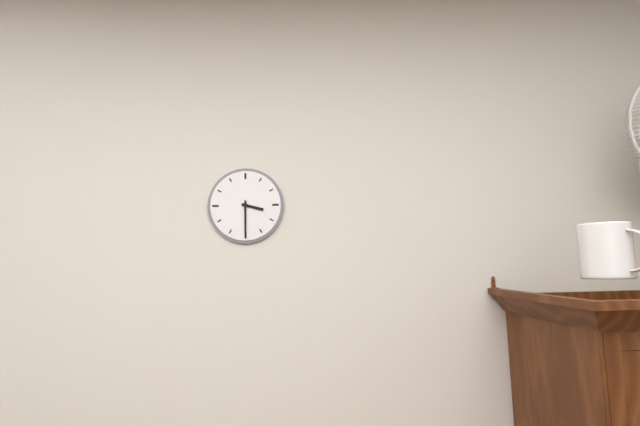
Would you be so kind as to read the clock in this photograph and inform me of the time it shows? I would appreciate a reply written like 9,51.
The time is 3,30
